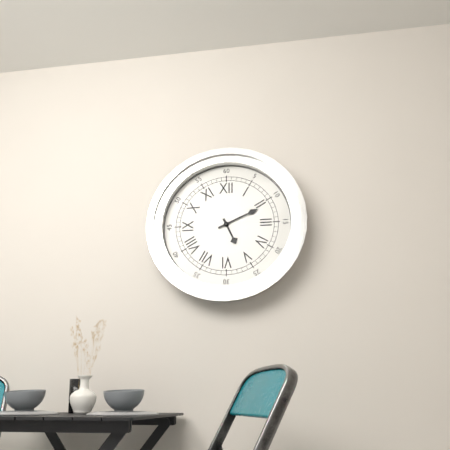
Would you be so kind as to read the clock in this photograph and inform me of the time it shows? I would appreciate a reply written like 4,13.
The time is 5,11
